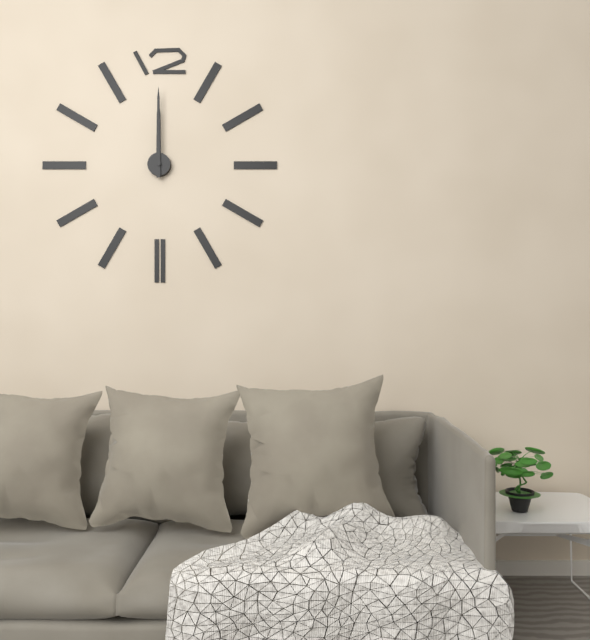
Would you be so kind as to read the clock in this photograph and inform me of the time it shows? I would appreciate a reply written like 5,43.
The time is 12,00
